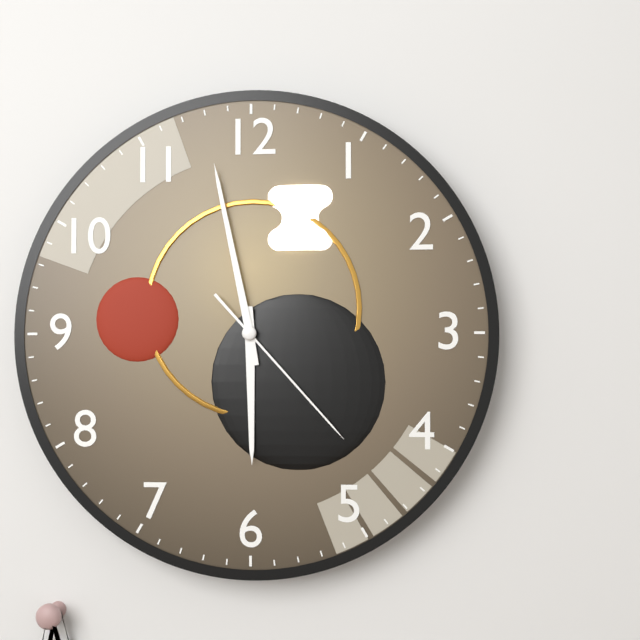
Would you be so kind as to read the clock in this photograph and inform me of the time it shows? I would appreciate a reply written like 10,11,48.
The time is 5,58,23
